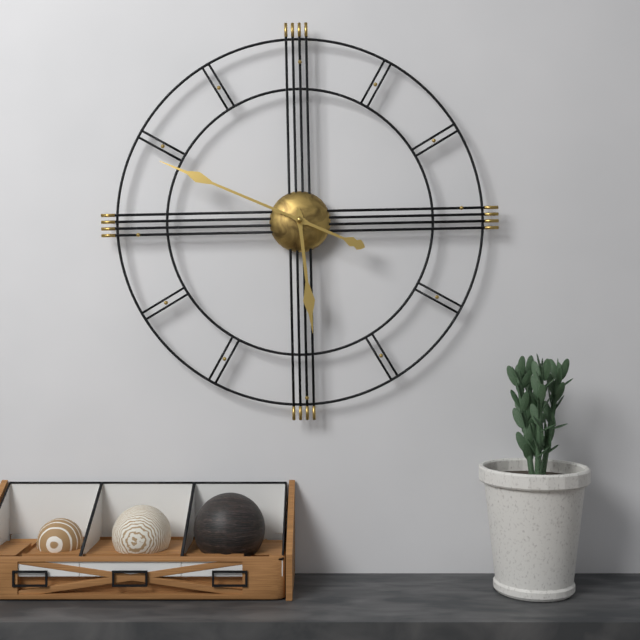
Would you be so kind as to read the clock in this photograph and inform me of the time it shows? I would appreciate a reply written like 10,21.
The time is 5,49
